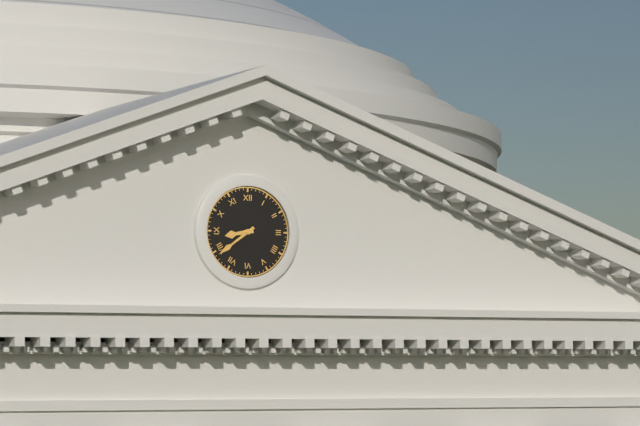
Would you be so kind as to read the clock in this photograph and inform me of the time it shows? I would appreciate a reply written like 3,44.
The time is 8,39
